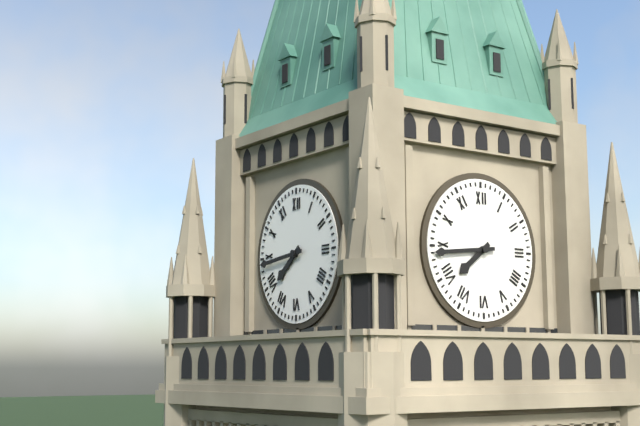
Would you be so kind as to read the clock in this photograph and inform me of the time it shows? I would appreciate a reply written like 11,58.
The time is 7,44
